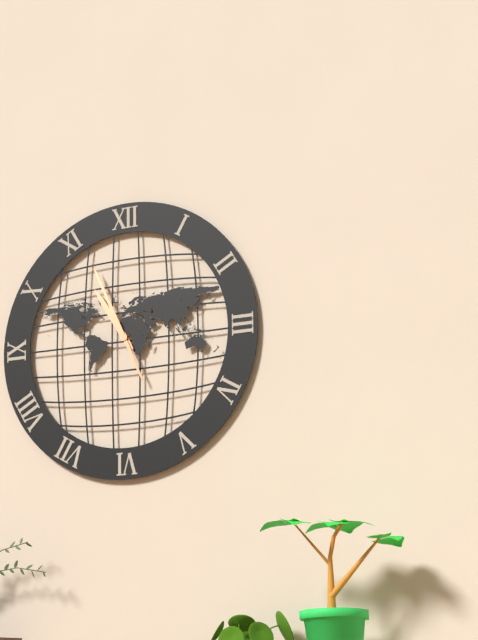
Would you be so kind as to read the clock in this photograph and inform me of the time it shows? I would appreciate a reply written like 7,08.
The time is 10,56
